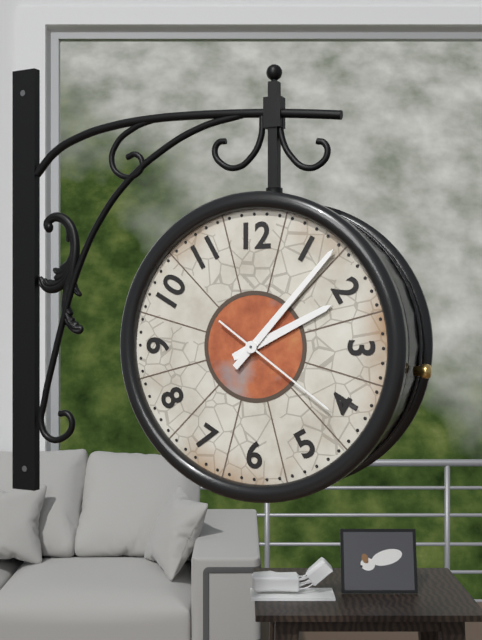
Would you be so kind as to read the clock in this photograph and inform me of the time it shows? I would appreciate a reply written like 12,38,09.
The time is 2,07,21
